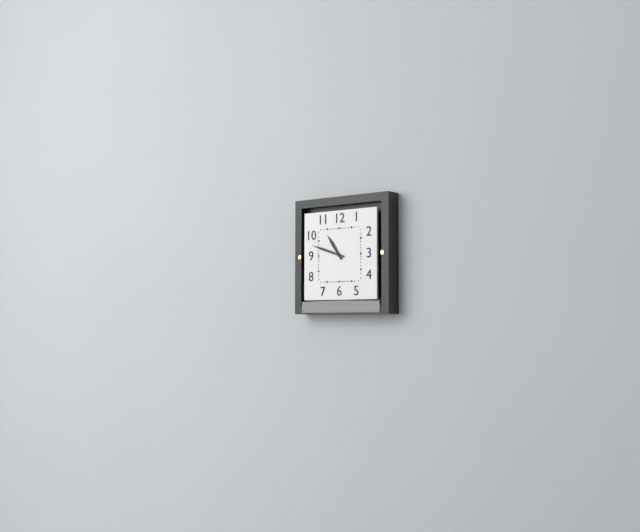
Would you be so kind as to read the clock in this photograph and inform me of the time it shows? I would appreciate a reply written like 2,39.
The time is 10,48
